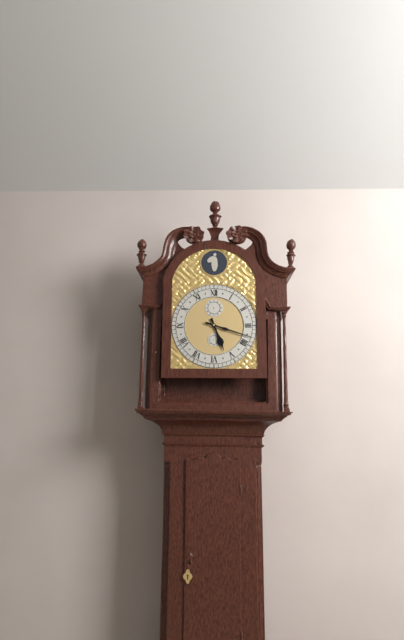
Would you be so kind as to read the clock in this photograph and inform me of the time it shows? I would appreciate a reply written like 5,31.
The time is 5,18
